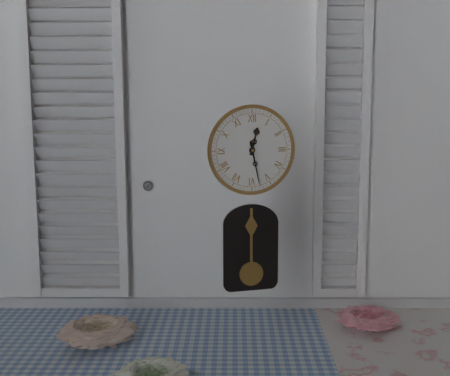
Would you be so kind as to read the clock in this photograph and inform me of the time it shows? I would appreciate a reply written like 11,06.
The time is 12,28
